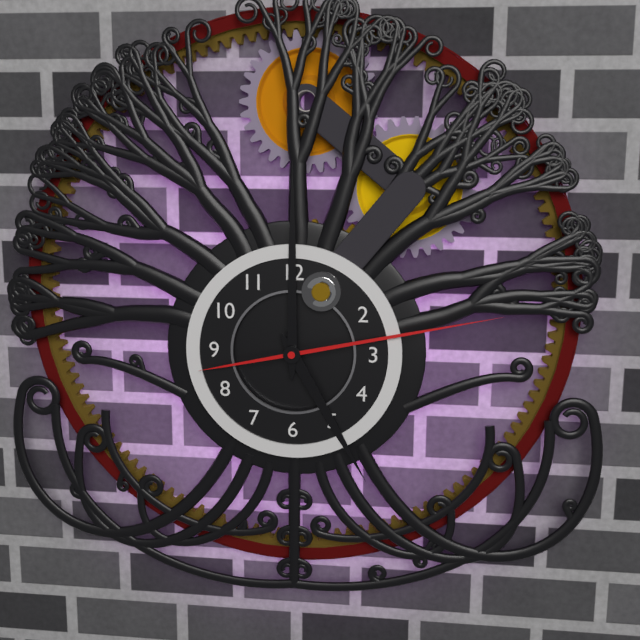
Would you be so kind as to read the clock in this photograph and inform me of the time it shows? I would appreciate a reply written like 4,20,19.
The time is 5,00,13
